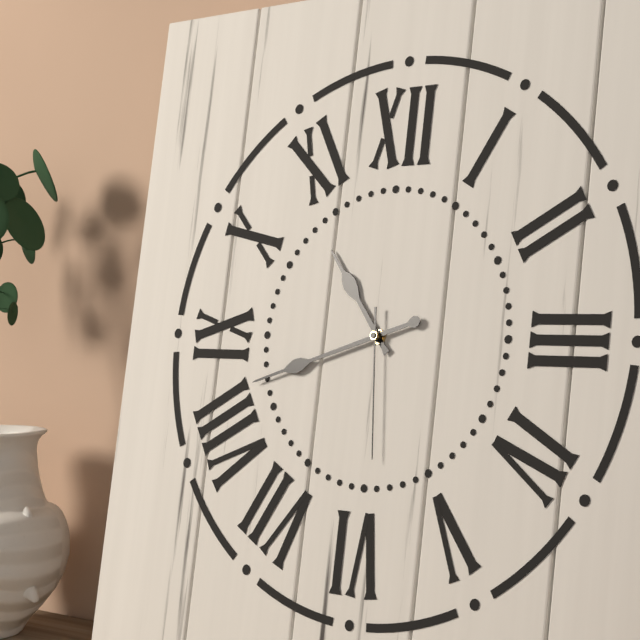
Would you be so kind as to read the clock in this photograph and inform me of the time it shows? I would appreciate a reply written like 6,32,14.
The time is 10,42,29
